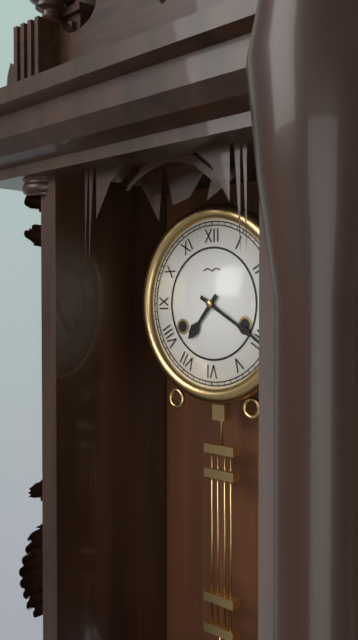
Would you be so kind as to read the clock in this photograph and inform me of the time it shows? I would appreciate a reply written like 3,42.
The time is 7,20
